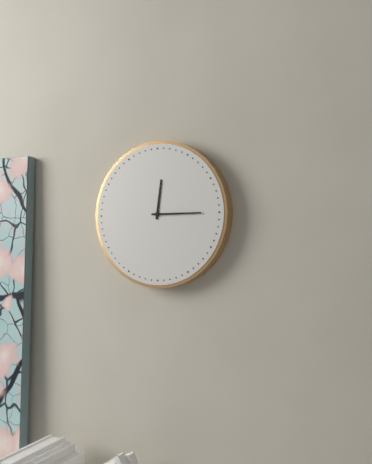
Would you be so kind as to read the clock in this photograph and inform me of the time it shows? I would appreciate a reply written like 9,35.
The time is 12,15
